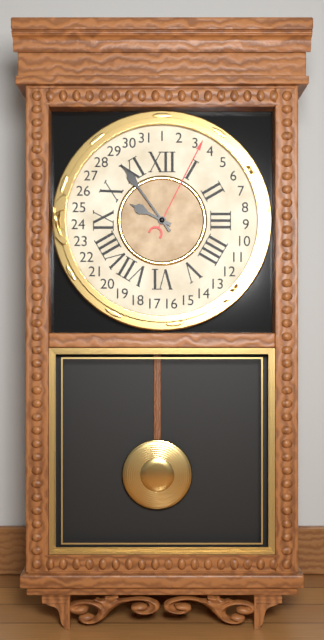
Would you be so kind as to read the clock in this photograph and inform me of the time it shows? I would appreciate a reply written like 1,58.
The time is 9,54
